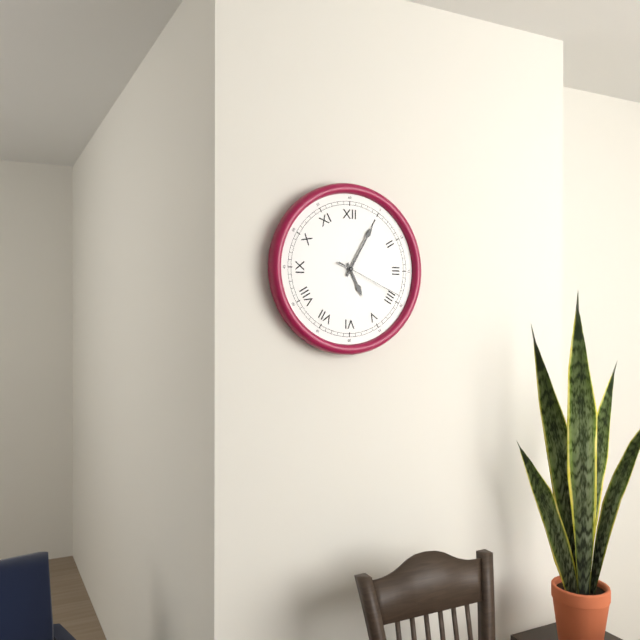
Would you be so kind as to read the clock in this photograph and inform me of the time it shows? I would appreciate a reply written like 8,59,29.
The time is 5,05,19
